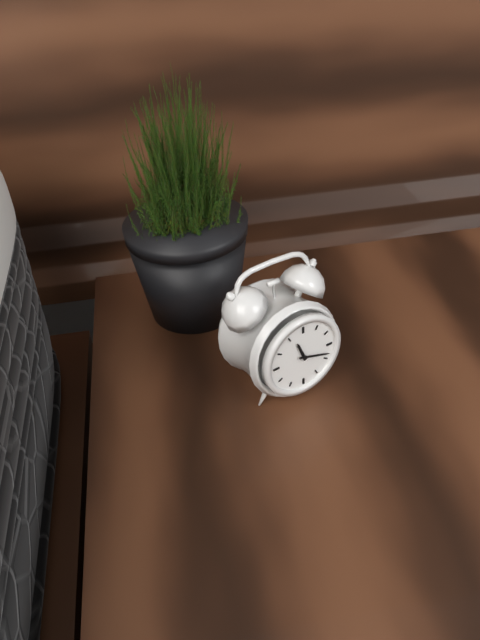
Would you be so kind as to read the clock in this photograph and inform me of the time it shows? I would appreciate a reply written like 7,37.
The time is 11,18
